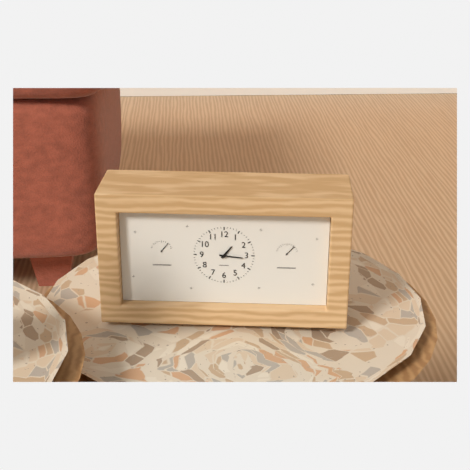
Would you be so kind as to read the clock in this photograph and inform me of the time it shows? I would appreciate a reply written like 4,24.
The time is 1,16
